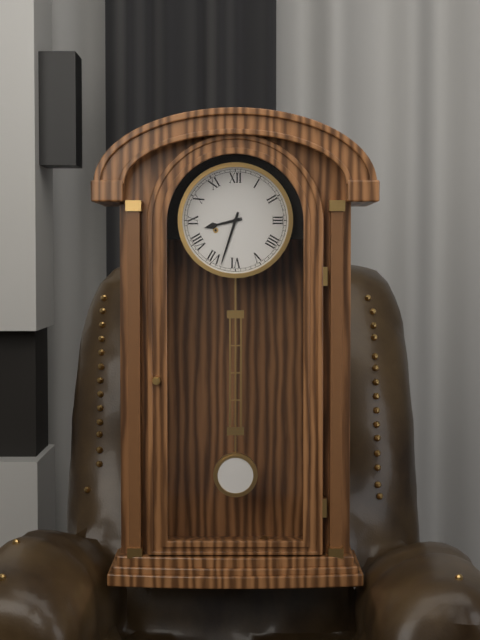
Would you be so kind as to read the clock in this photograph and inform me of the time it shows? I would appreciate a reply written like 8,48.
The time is 8,33
